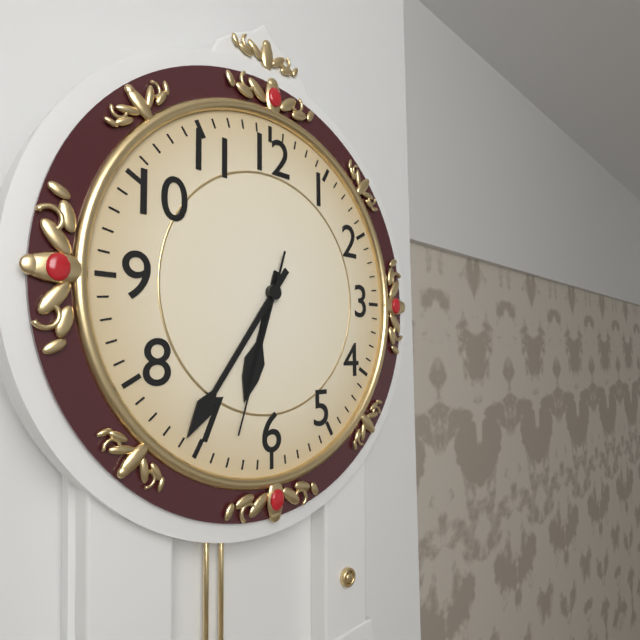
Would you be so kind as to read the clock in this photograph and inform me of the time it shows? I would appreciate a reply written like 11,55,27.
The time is 6,36,33
